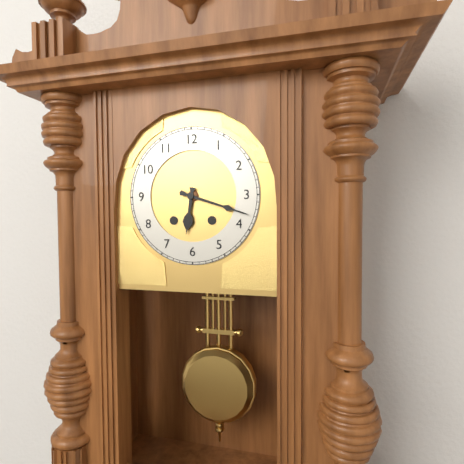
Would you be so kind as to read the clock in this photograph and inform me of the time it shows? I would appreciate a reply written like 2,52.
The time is 6,18
